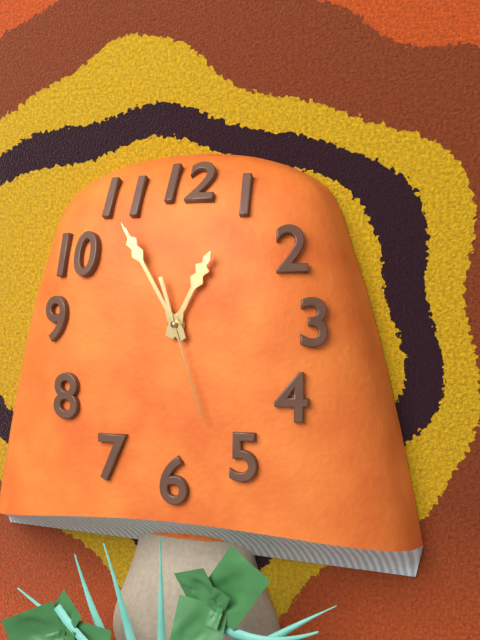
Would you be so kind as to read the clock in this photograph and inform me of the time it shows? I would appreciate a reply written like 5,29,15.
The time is 12,55,27
